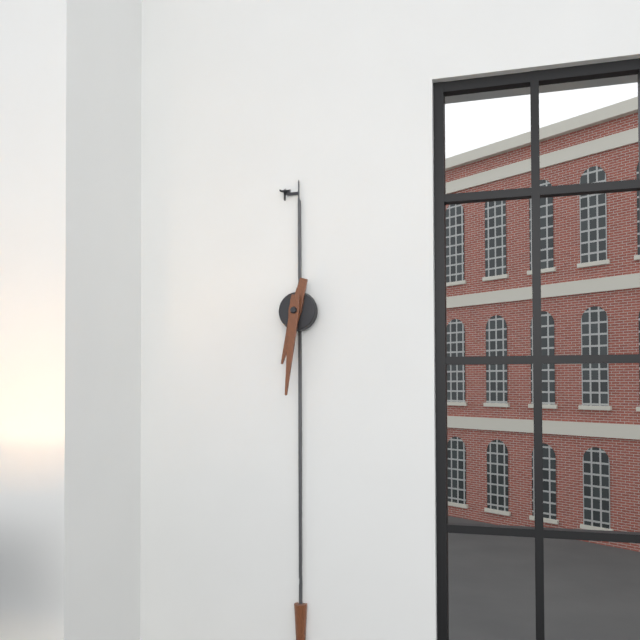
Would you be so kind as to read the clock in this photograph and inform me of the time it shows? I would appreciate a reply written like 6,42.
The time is 6,31
